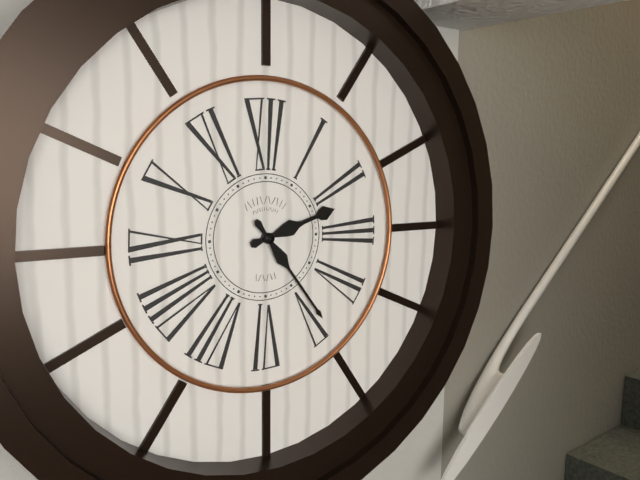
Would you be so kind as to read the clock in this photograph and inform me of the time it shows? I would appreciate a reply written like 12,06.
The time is 2,24
